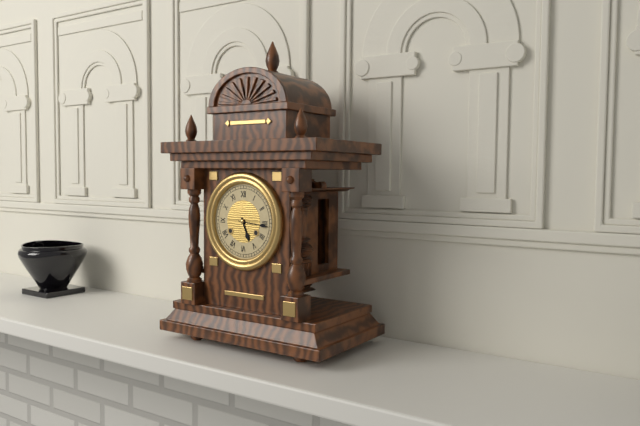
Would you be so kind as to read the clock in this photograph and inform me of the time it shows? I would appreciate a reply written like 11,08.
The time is 5,16
